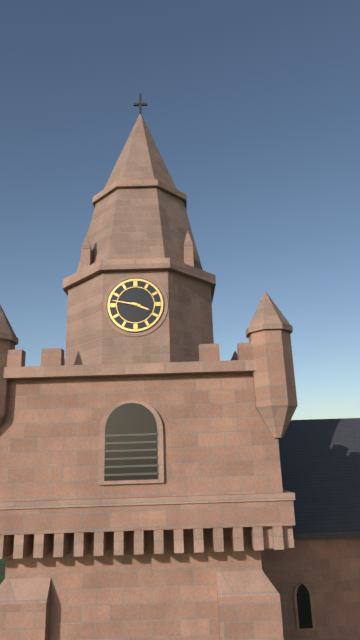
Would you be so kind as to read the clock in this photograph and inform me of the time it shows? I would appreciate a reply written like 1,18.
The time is 3,47
